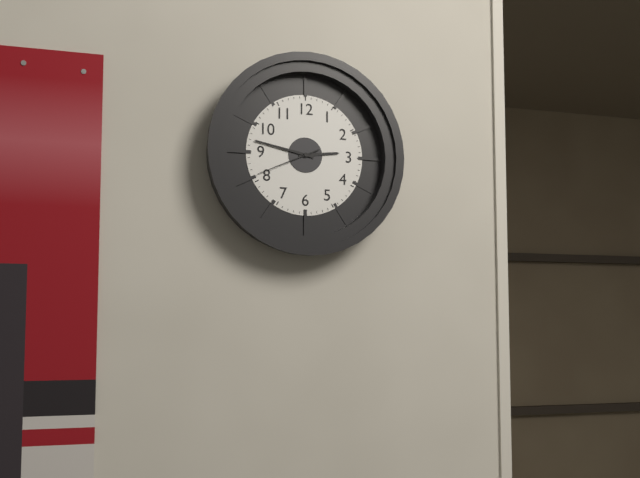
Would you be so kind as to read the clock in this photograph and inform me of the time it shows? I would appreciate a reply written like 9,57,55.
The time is 2,47,41
